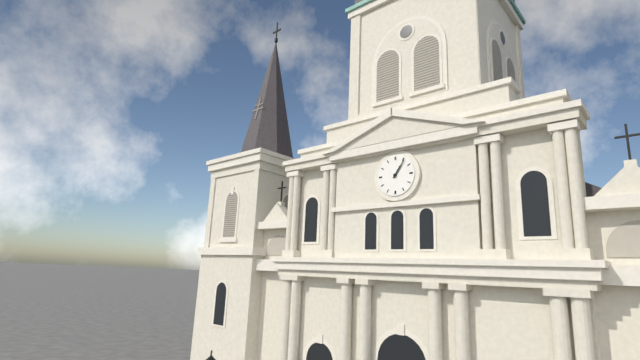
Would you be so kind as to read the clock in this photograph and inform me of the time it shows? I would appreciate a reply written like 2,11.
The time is 1,06
